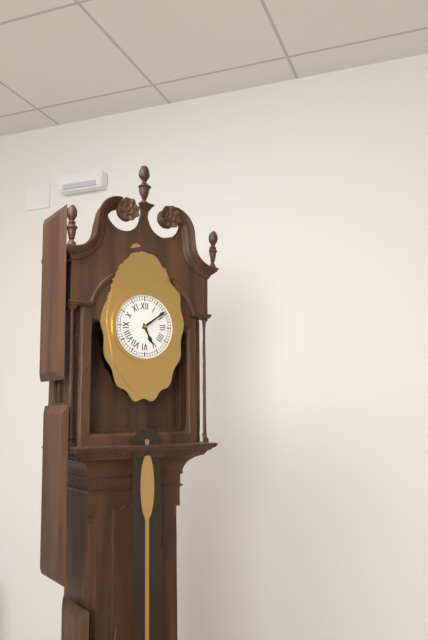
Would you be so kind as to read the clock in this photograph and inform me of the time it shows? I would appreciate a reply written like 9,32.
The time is 5,09
